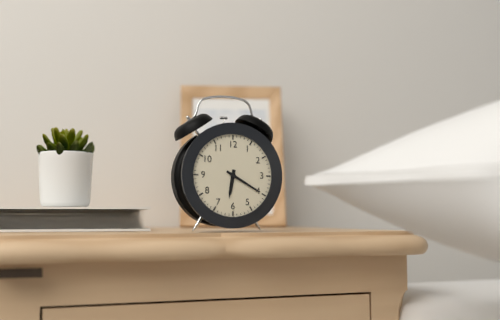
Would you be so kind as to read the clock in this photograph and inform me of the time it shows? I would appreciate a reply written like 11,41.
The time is 6,20
